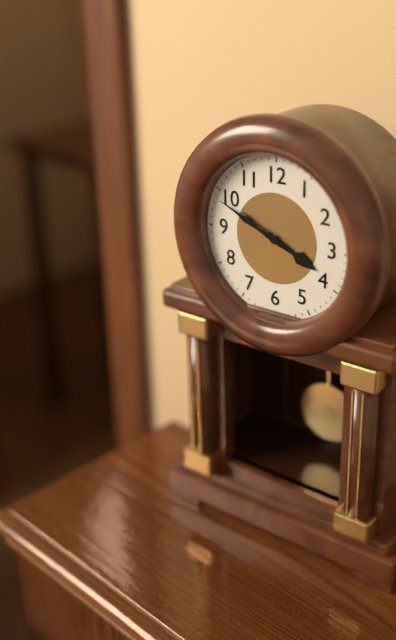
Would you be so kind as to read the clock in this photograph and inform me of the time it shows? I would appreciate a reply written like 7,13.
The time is 3,49
